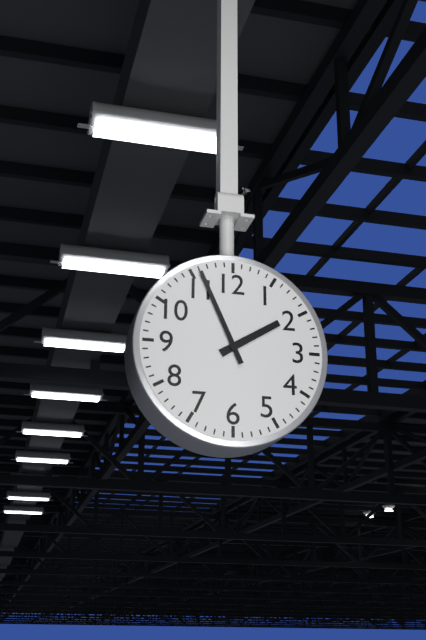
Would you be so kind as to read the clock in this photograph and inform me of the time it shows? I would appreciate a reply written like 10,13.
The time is 1,56
